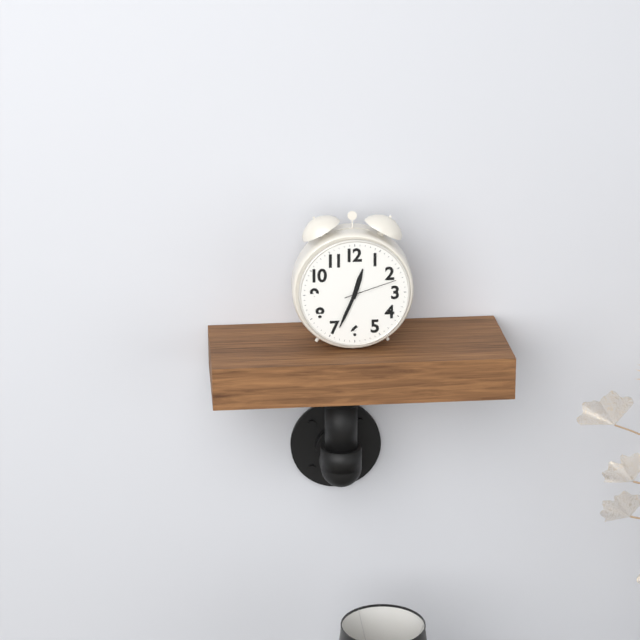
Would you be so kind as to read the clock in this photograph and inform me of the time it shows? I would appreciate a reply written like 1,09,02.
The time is 12,34,12
